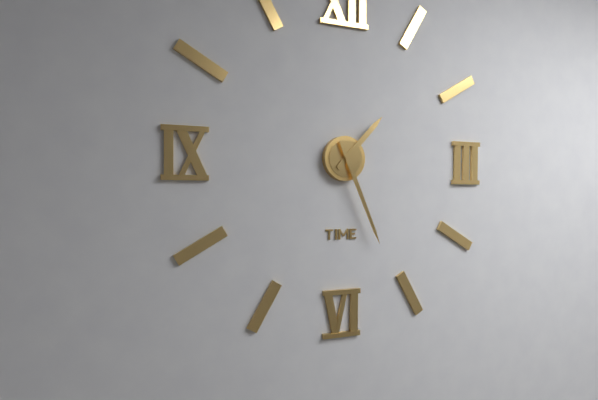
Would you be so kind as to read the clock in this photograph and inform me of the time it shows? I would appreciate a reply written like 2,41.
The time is 1,26
